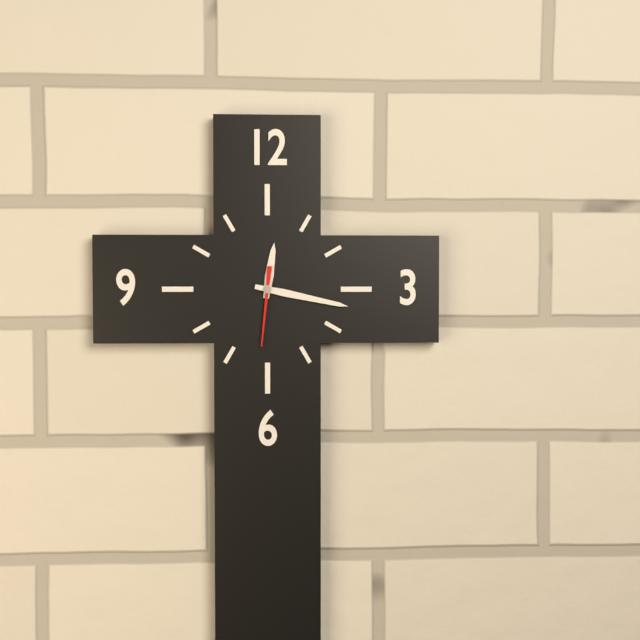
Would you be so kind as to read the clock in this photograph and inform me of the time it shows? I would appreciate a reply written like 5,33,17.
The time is 12,17,31
